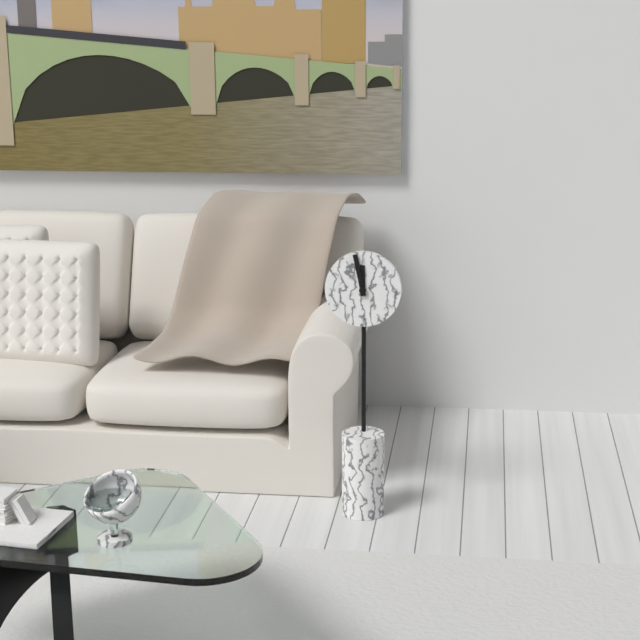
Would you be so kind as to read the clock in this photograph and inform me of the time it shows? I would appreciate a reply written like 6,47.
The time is 11,58
